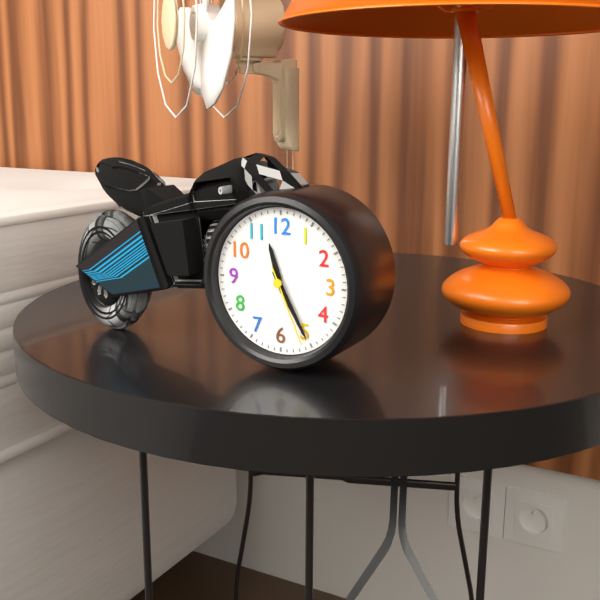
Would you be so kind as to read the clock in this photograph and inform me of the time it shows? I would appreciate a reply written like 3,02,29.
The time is 11,25,26
